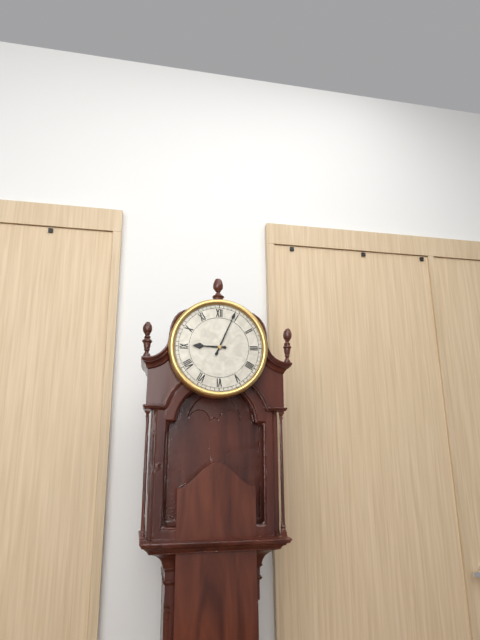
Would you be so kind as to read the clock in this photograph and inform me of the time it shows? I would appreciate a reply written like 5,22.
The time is 9,04
